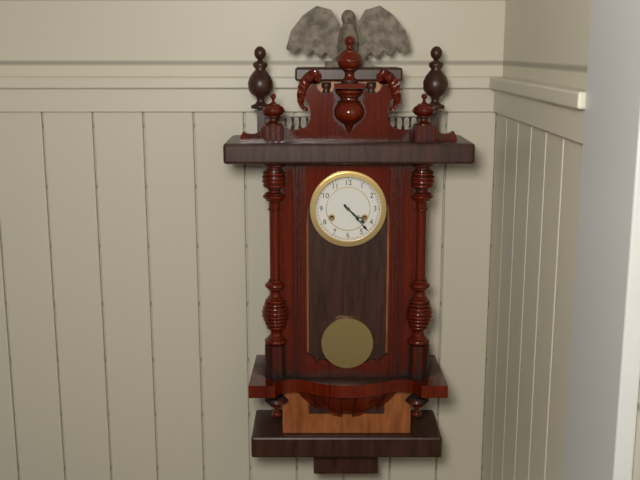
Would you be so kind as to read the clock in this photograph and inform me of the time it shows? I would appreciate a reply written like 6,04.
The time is 4,23
